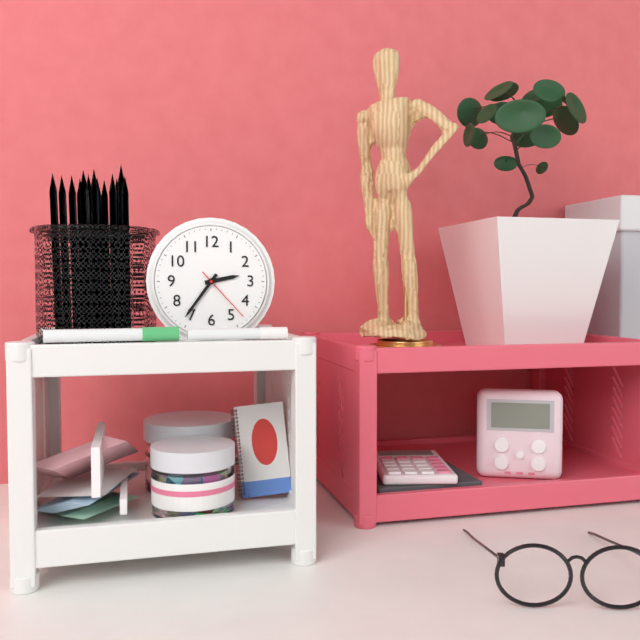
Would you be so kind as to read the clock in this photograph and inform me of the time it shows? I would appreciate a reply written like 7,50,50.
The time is 2,36,23
